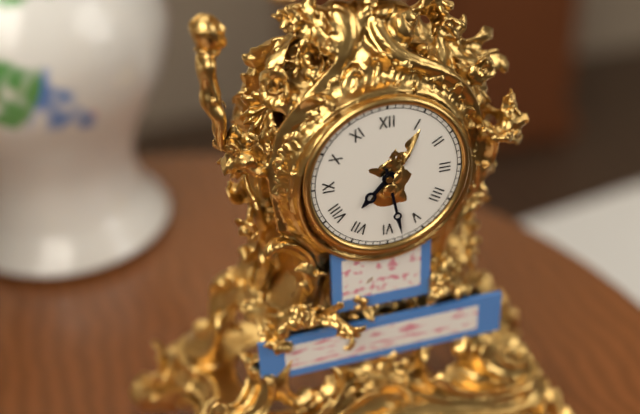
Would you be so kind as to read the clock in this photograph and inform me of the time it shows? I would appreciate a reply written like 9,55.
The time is 7,28
